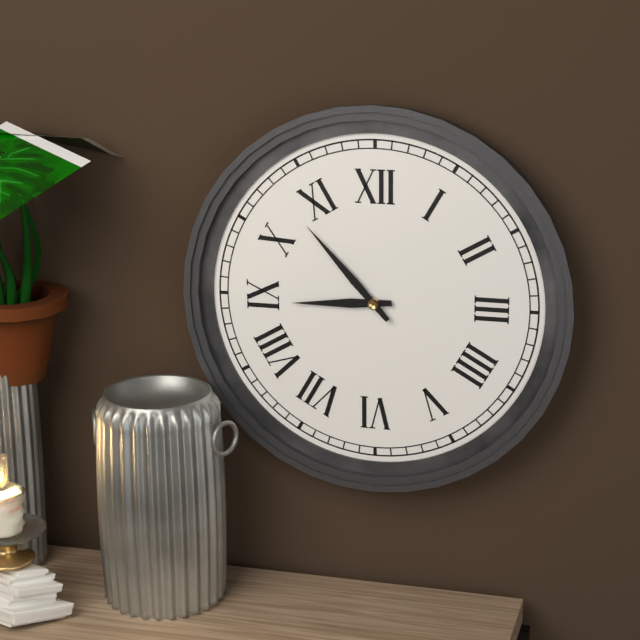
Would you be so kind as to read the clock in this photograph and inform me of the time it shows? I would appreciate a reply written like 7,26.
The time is 8,53
